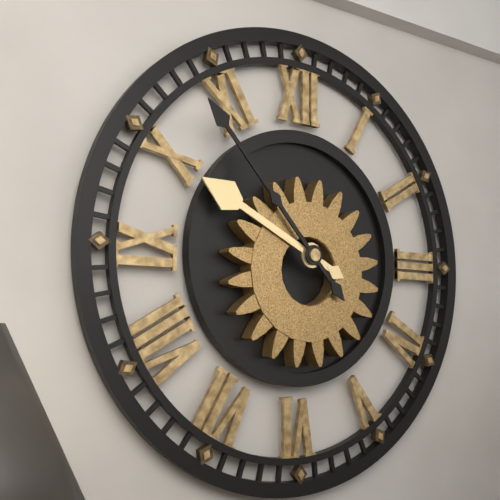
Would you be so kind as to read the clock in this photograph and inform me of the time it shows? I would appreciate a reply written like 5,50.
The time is 9,53
